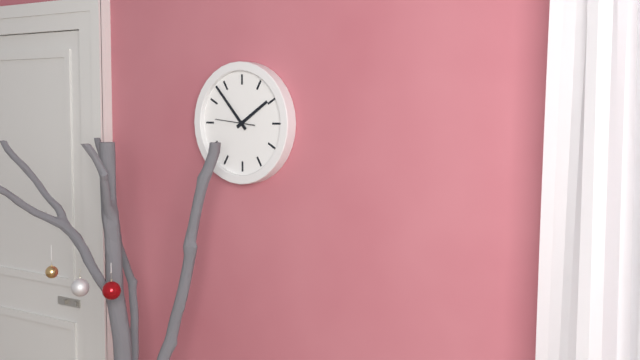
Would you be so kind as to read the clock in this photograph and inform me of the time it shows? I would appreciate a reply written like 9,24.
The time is 1,53
